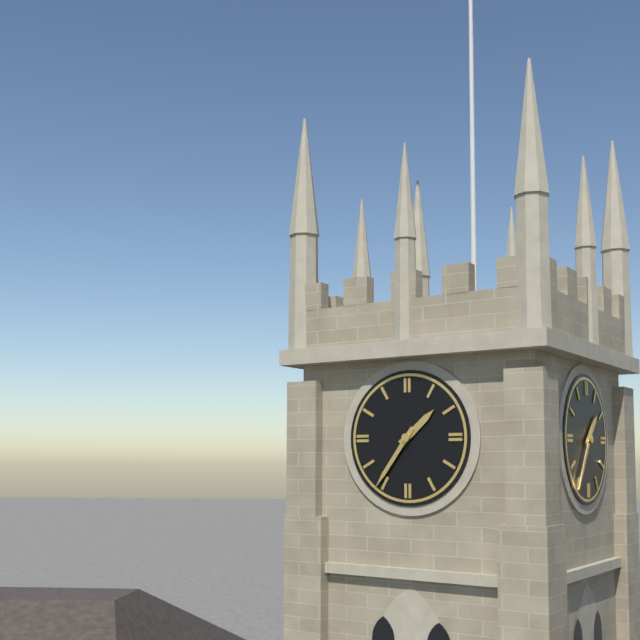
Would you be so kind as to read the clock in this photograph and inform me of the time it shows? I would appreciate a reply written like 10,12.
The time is 1,36
